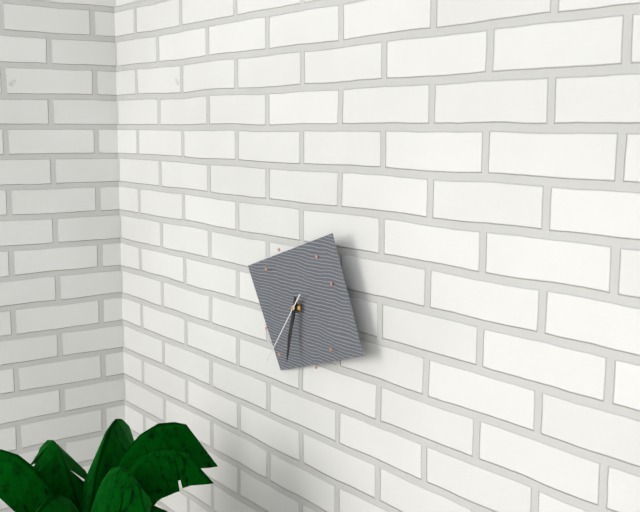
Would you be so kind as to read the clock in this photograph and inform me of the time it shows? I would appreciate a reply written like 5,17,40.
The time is 6,32,36
